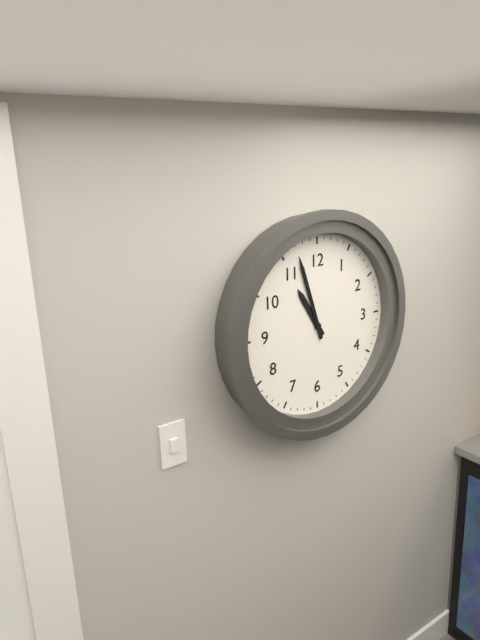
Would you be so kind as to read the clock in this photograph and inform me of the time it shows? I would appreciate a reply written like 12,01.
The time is 10,57
